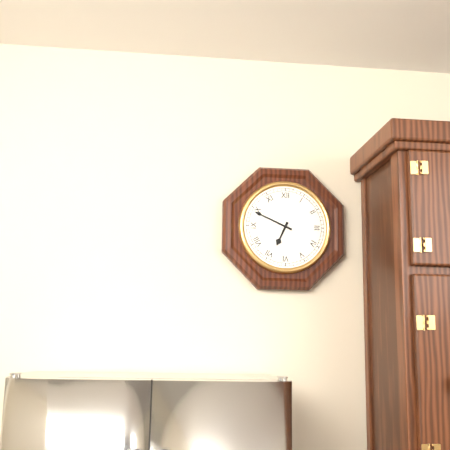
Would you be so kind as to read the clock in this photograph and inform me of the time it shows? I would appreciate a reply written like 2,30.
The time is 6,49
